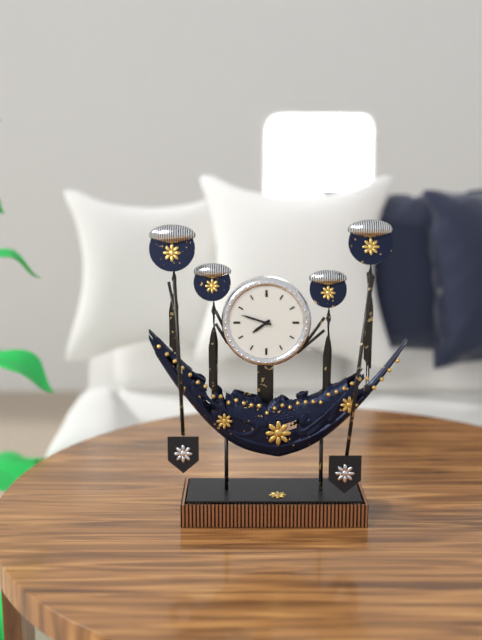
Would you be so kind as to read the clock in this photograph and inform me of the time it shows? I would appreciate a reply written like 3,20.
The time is 7,48
